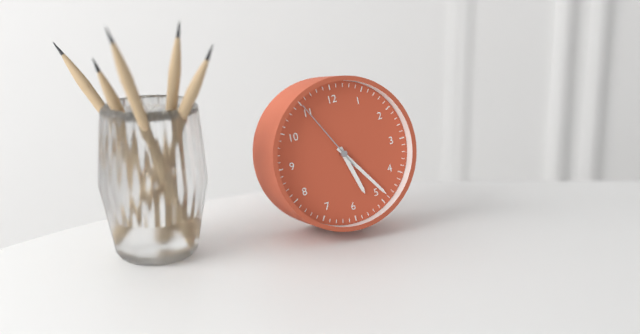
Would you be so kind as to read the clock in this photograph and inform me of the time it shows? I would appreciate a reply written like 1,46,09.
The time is 5,24,55
